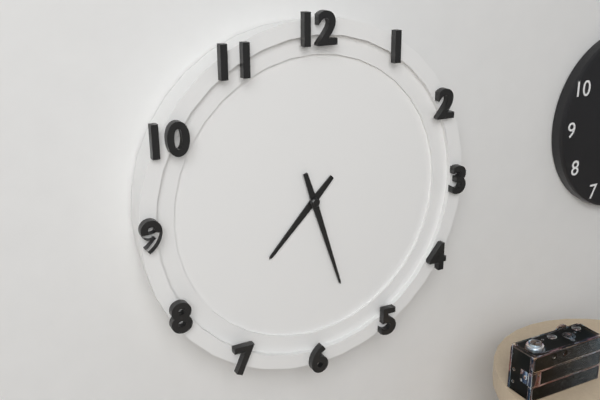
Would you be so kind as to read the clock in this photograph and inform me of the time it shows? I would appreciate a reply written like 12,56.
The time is 7,27
